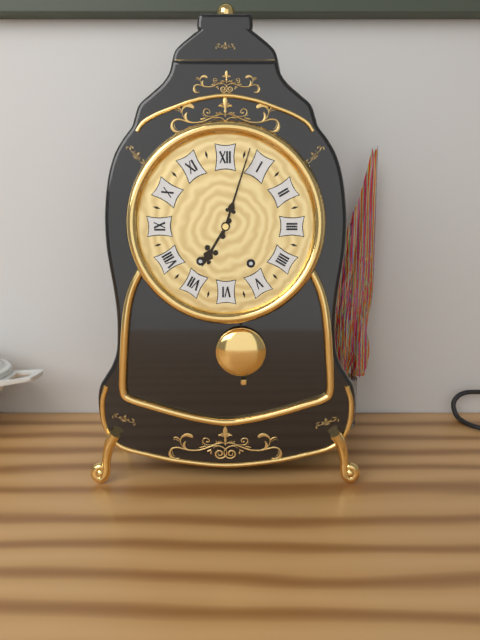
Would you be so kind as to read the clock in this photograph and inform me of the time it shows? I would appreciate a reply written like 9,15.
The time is 7,03
